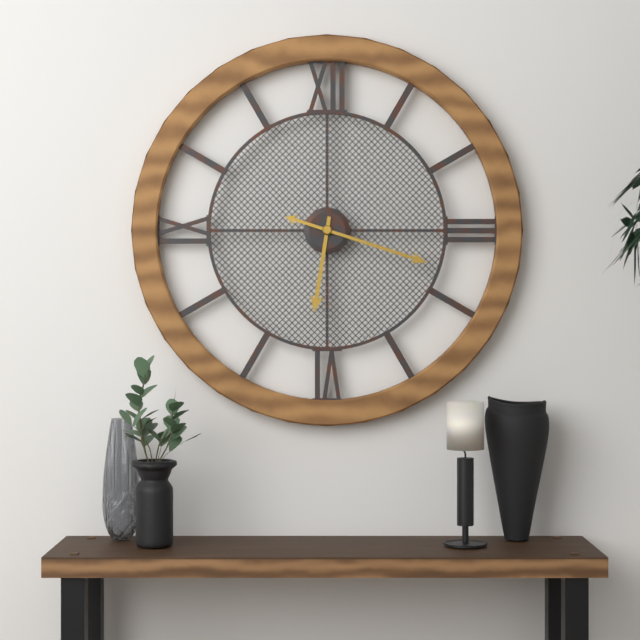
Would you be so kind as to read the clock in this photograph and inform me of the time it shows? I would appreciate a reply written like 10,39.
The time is 6,18
